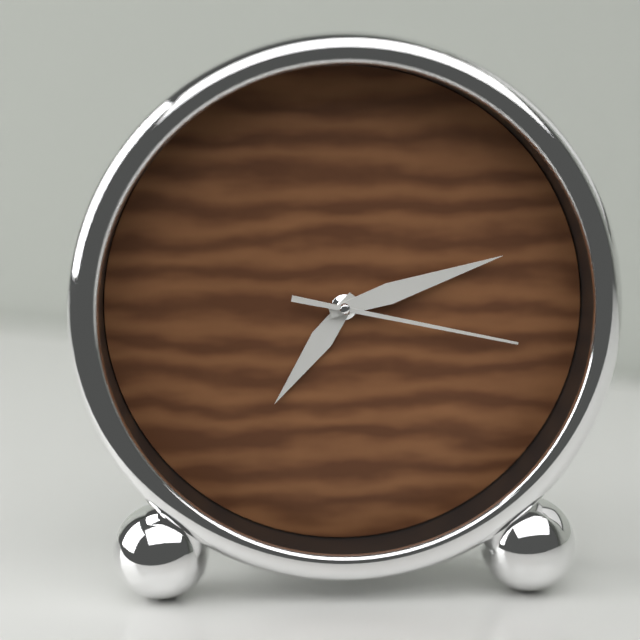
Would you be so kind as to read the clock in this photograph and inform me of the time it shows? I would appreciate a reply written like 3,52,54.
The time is 7,12,17
